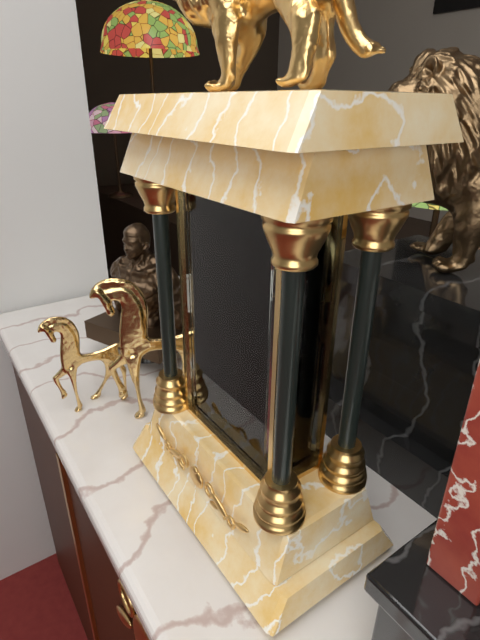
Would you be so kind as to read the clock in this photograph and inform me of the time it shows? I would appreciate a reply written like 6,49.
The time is 2,00
